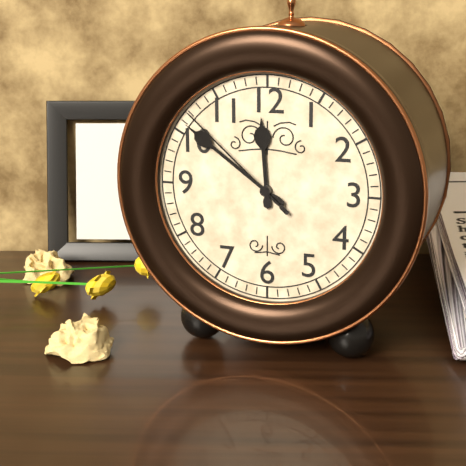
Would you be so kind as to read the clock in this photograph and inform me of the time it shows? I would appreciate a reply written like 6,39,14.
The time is 11,51,52
